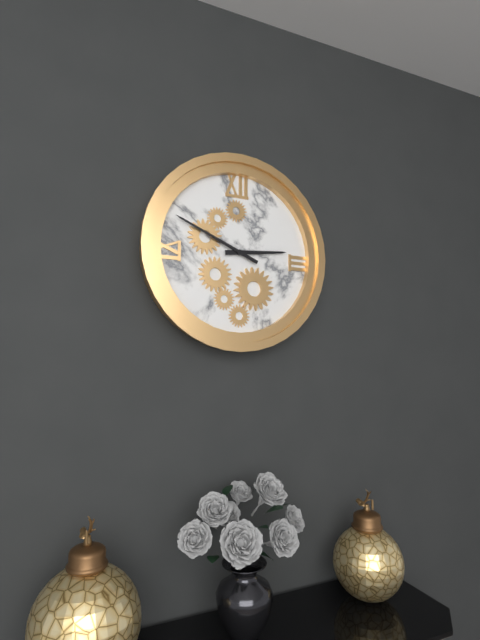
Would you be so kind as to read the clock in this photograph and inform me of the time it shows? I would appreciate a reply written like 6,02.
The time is 2,49
